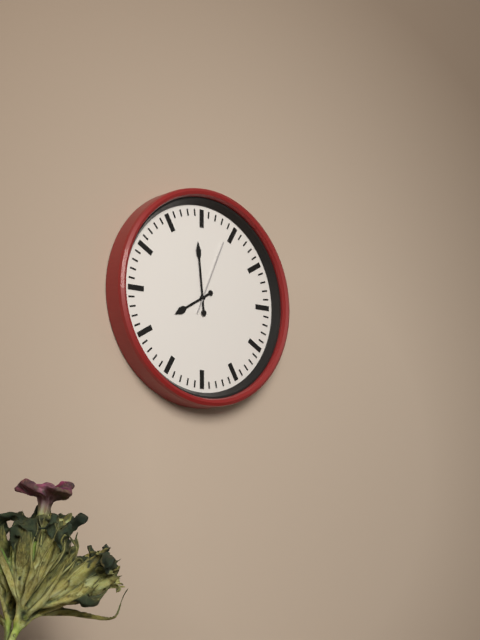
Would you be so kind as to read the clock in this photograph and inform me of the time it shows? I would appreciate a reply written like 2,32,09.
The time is 7,59,04
